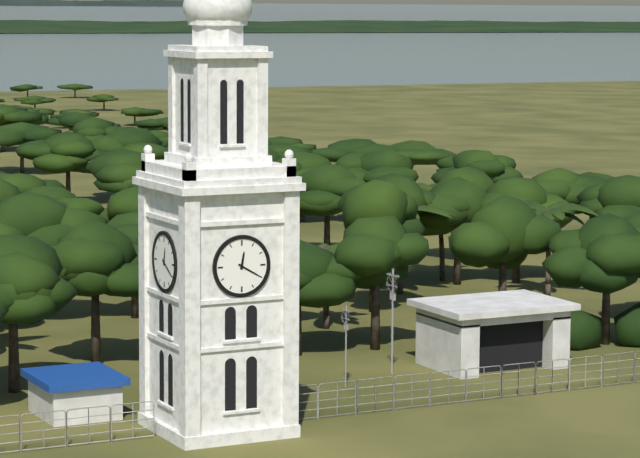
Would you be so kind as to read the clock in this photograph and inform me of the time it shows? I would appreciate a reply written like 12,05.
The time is 12,20
